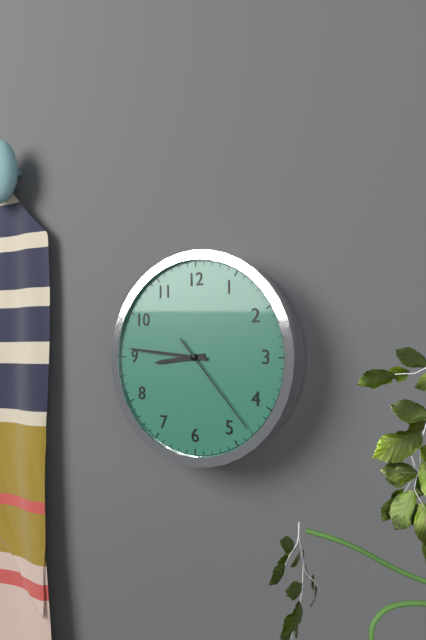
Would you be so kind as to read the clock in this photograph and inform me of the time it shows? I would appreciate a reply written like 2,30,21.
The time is 8,46,23
